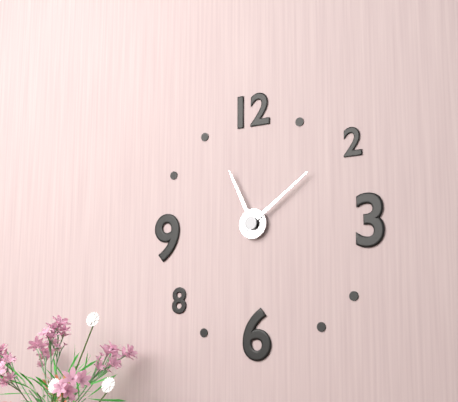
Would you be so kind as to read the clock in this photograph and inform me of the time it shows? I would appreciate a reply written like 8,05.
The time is 11,09
